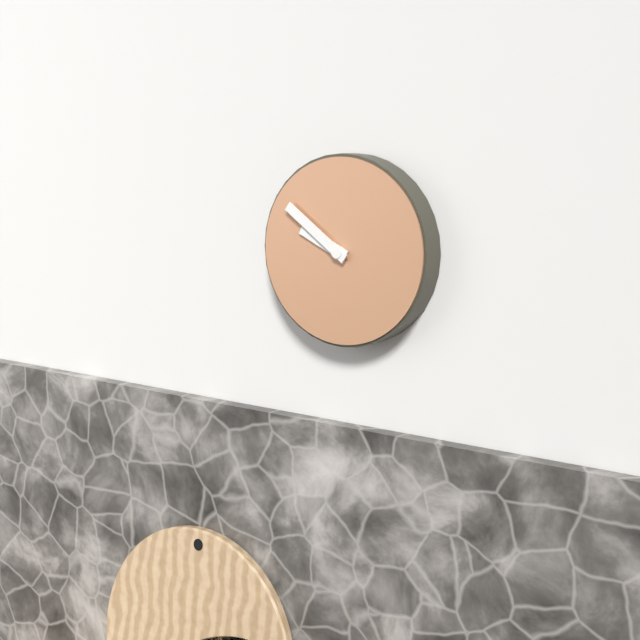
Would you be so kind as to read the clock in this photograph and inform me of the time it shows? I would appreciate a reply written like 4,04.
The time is 9,51
